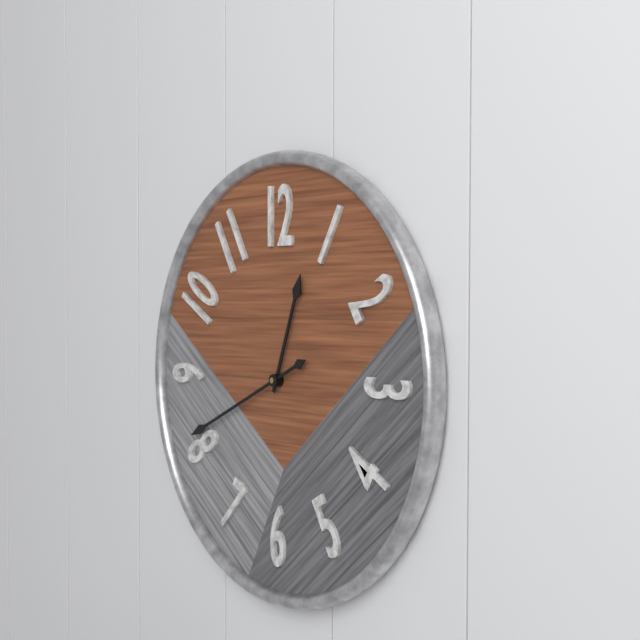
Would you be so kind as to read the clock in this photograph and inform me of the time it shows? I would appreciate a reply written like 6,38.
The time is 12,41
